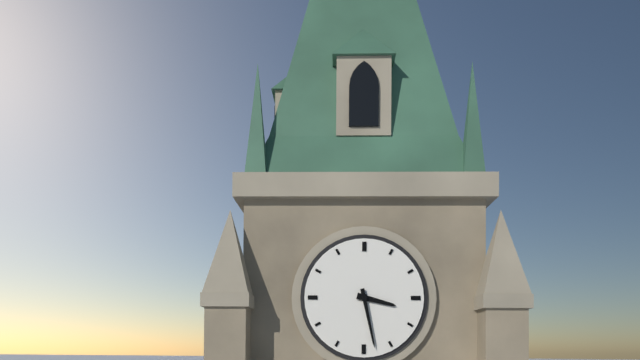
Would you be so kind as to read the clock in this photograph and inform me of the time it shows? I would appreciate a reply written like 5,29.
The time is 3,28
